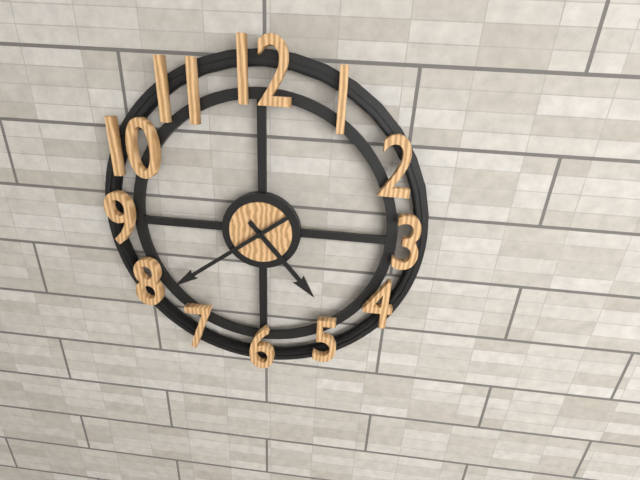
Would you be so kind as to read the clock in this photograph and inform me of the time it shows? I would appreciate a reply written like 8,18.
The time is 4,39
